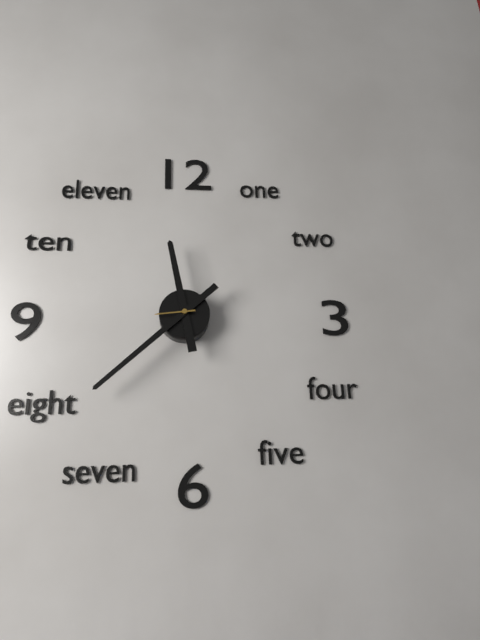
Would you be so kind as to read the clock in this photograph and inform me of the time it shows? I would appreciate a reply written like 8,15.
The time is 11,38
